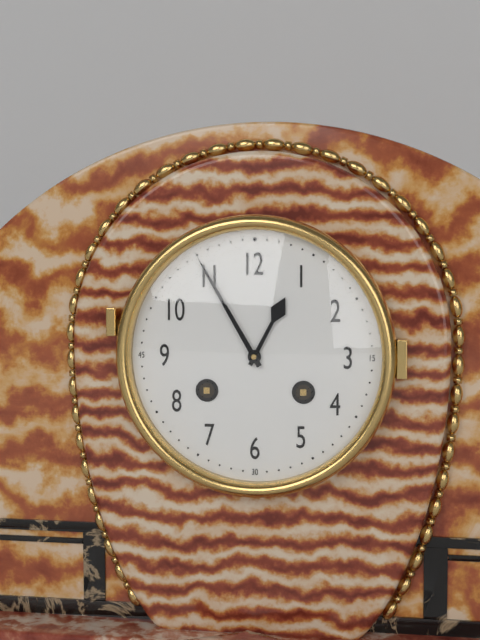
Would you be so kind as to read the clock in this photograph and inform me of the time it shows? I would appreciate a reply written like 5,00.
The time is 12,55
